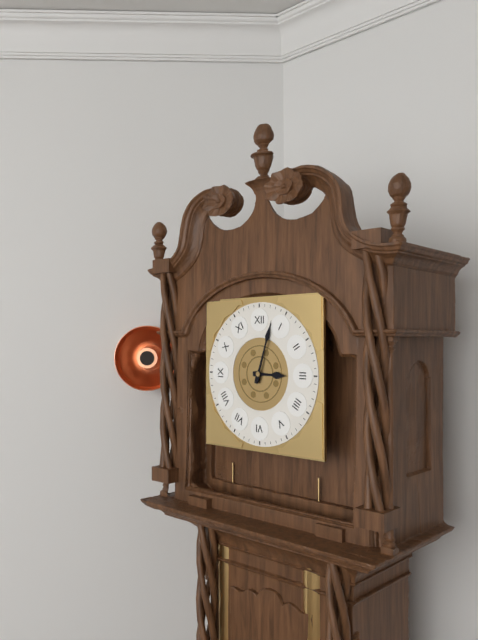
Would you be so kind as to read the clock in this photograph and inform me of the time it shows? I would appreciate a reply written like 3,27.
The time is 3,03
